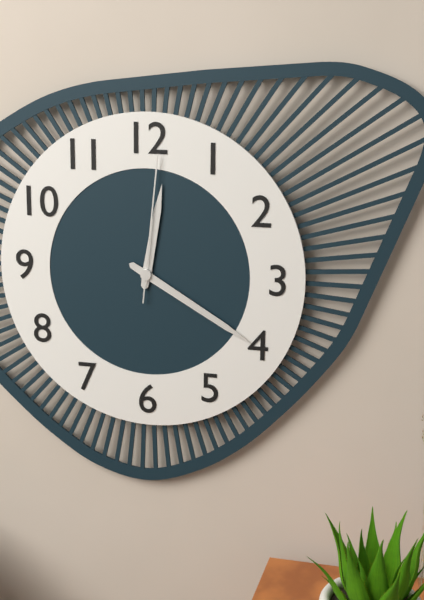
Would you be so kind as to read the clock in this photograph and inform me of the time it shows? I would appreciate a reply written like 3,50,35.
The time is 12,20,01
